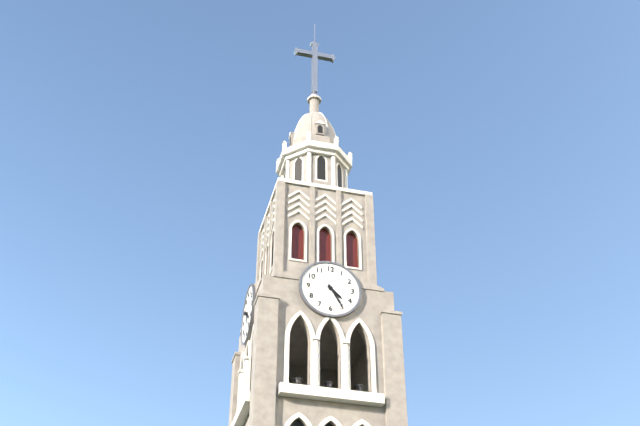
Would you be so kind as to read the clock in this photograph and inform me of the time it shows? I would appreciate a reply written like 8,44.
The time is 4,25
